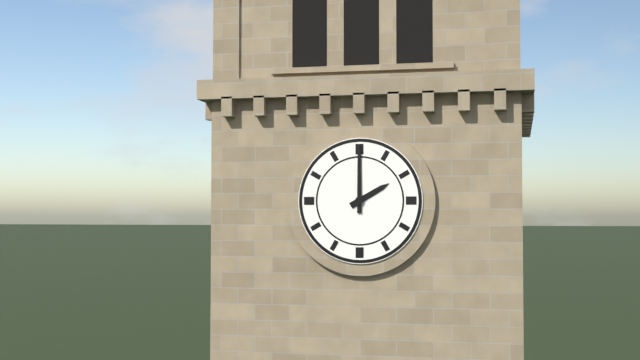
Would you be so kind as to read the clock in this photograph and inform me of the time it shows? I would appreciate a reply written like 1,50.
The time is 2,00
